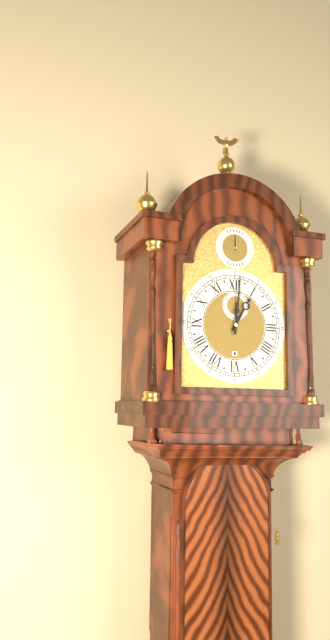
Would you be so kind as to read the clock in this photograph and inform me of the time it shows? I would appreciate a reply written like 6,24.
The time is 1,01
